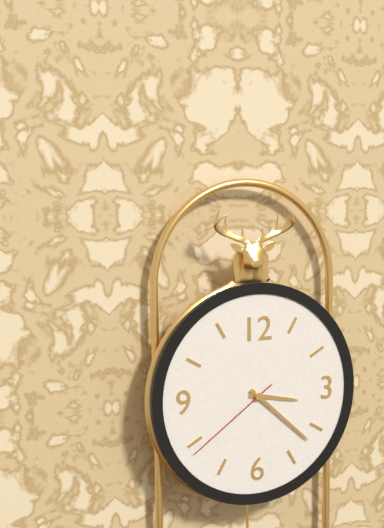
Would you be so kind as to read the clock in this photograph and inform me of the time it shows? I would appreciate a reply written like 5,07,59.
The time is 3,22,39
